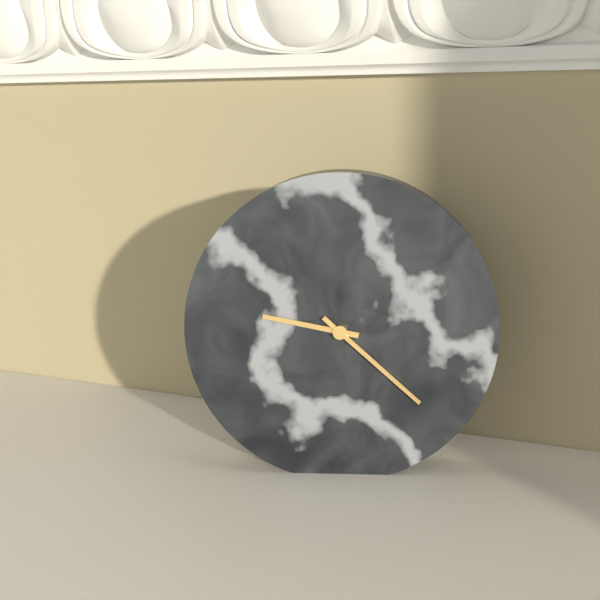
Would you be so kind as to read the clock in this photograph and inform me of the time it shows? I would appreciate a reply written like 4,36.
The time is 9,22
